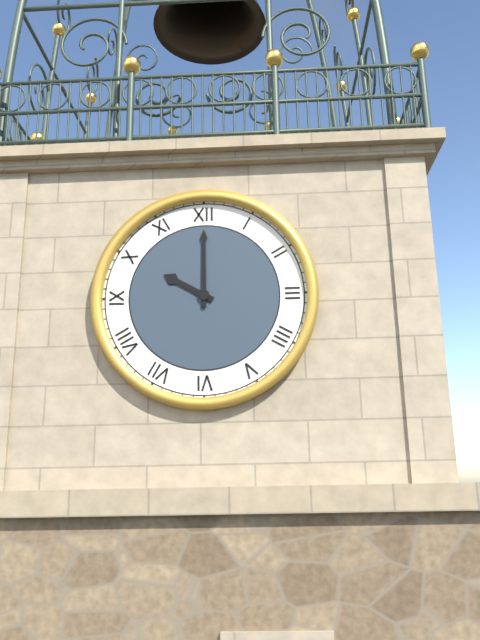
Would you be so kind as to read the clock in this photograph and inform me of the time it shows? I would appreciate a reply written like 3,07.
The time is 10,00
